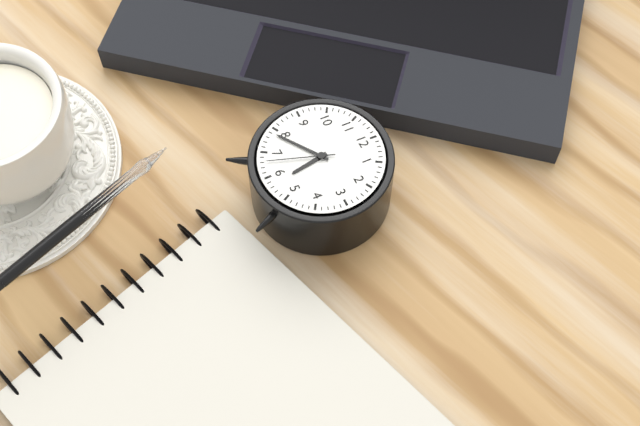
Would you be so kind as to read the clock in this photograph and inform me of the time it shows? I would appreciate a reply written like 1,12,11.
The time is 5,39,33
